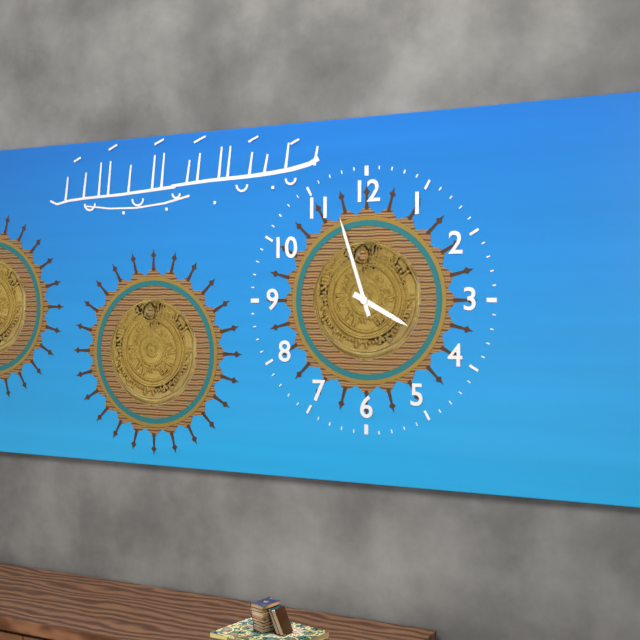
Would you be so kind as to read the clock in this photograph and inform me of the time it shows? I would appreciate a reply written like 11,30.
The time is 3,57
